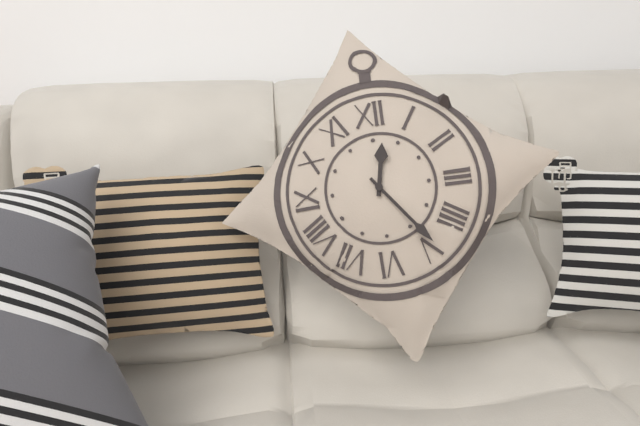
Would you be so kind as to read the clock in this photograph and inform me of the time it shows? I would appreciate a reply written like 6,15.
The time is 12,24
